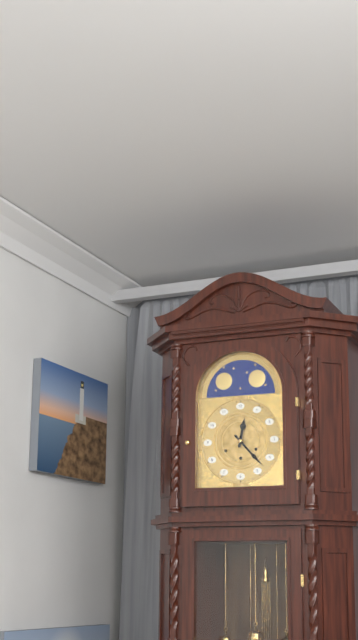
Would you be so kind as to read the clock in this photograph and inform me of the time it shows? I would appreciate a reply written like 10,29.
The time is 12,23
